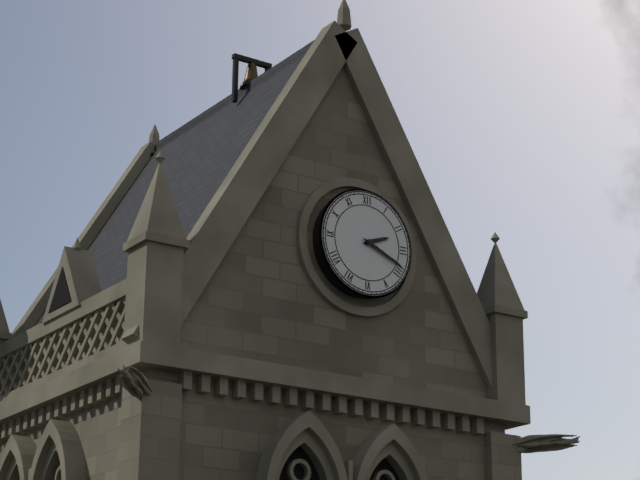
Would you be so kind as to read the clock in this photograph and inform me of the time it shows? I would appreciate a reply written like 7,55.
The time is 2,19
